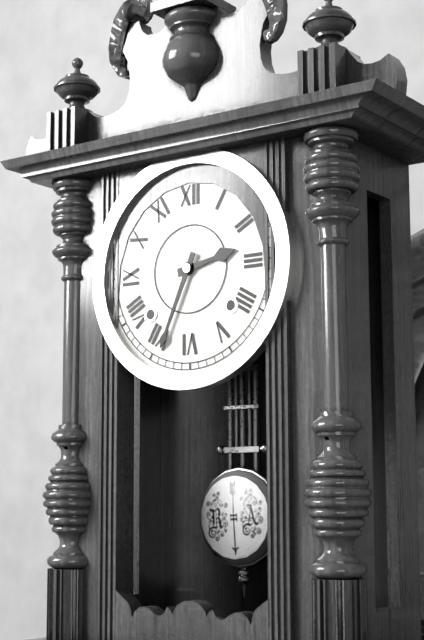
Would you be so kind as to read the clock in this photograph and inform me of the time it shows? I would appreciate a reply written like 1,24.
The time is 2,34
